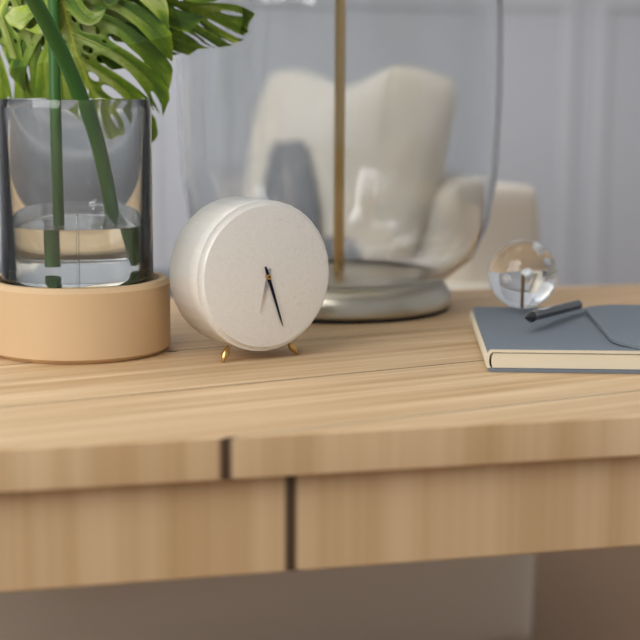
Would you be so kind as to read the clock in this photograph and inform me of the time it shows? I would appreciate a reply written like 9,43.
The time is 6,27
